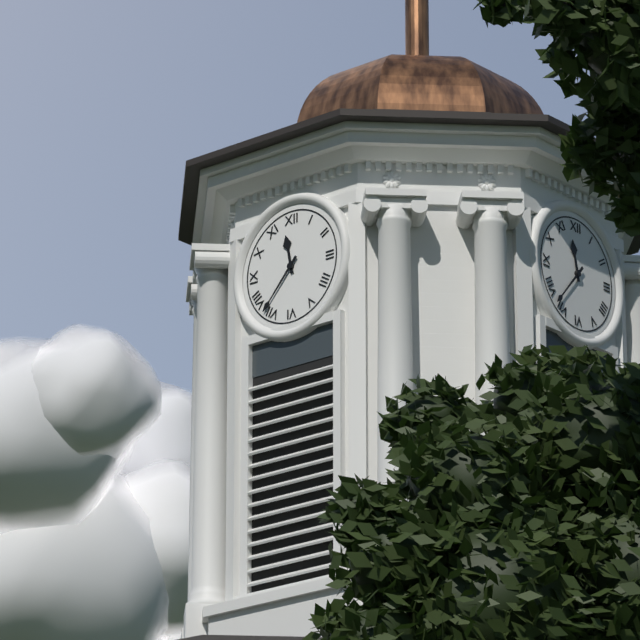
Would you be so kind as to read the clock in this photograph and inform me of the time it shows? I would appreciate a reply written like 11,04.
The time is 11,37
